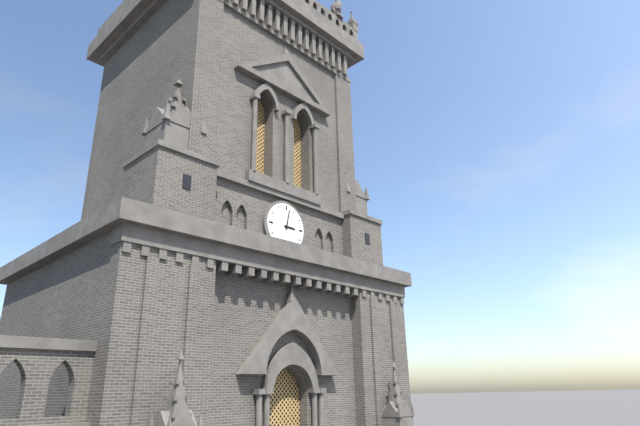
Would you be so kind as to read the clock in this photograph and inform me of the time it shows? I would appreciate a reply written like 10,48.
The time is 3,02
